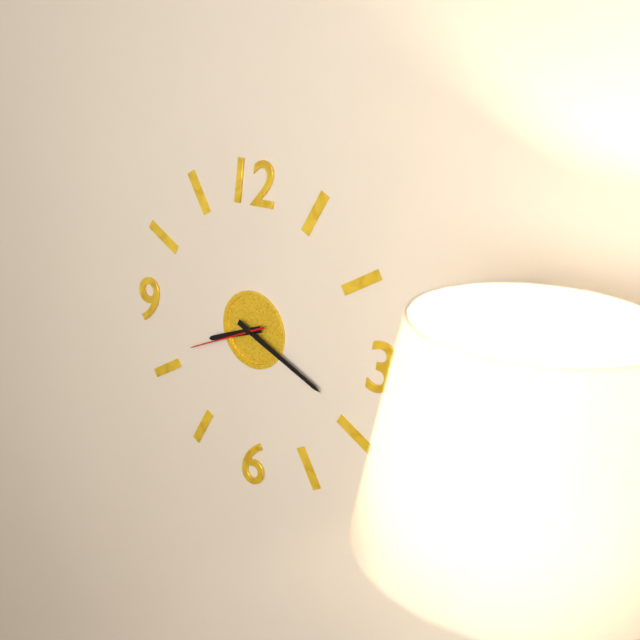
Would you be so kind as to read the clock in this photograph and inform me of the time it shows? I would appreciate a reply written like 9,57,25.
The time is 8,19,41
